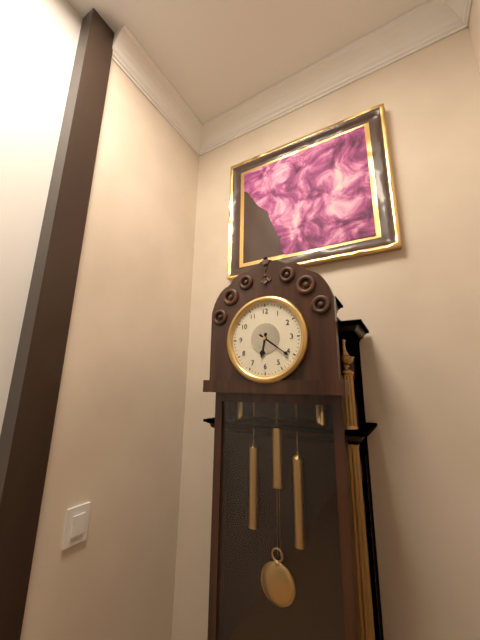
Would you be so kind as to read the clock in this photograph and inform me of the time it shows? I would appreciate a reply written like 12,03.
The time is 6,21
